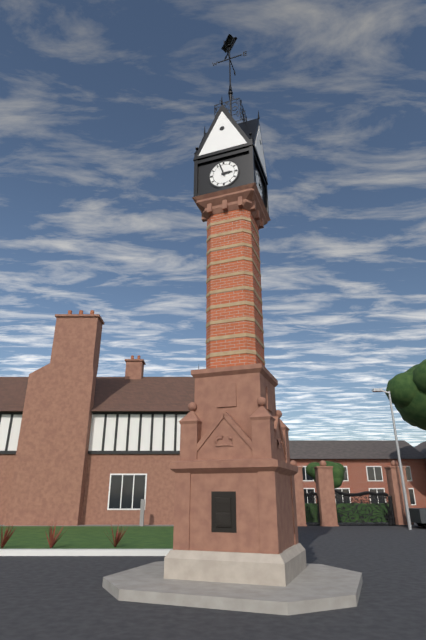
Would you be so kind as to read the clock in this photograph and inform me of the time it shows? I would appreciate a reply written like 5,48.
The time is 2,57
